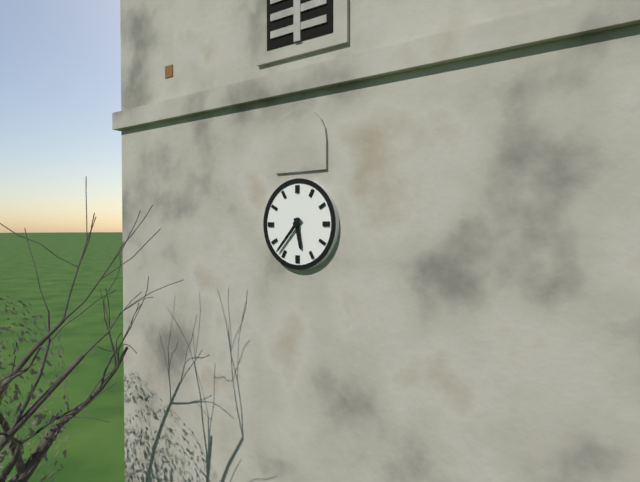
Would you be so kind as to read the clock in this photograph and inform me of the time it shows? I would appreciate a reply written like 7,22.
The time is 5,37
